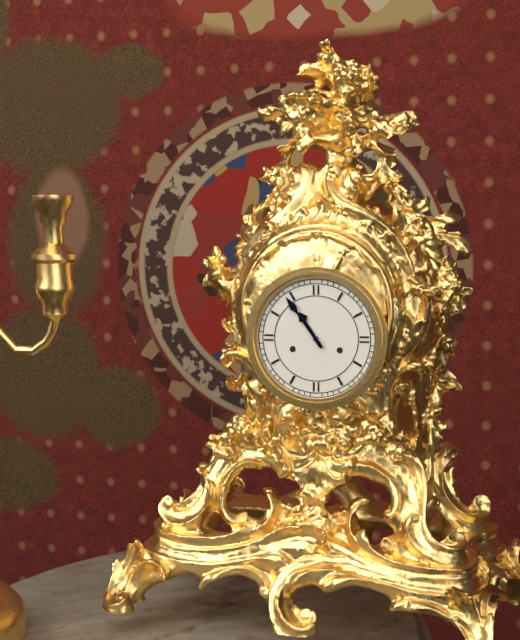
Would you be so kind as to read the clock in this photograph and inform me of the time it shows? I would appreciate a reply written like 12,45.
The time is 10,54
